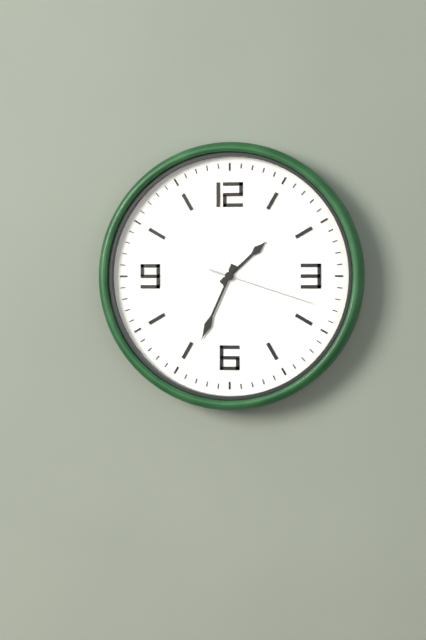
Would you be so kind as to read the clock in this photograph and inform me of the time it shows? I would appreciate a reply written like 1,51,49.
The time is 1,34,18
